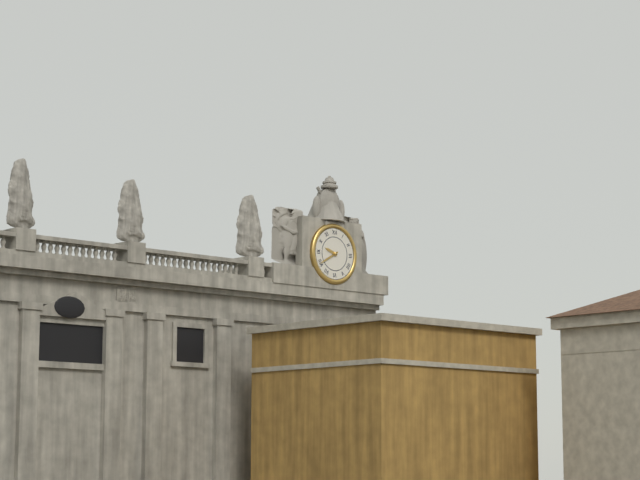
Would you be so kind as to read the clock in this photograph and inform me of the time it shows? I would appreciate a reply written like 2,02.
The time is 9,40
